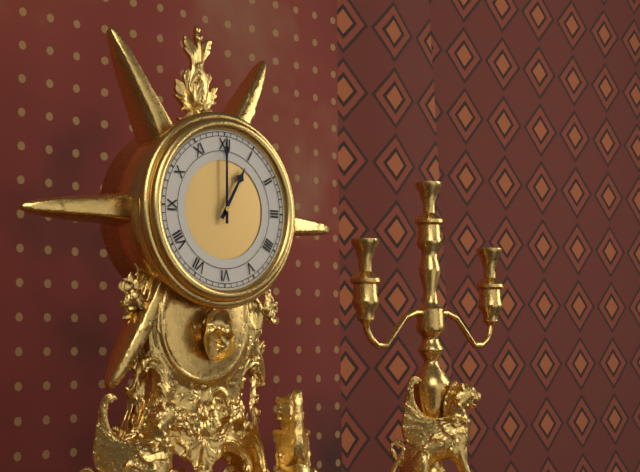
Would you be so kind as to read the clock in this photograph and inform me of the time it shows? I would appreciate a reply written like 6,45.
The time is 1,00
